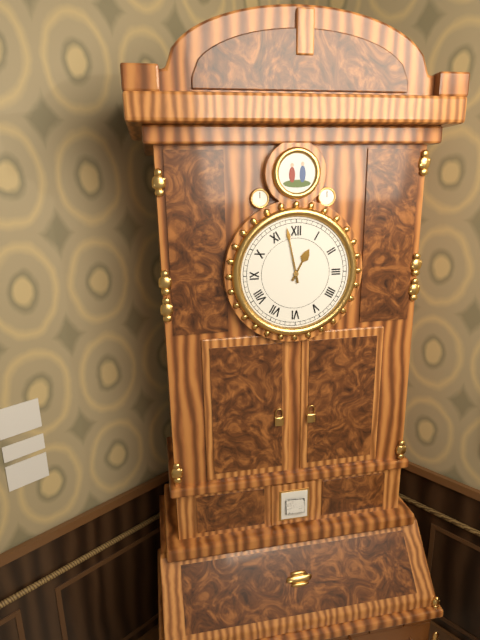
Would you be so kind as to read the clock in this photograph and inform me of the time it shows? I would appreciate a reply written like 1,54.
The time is 12,58
